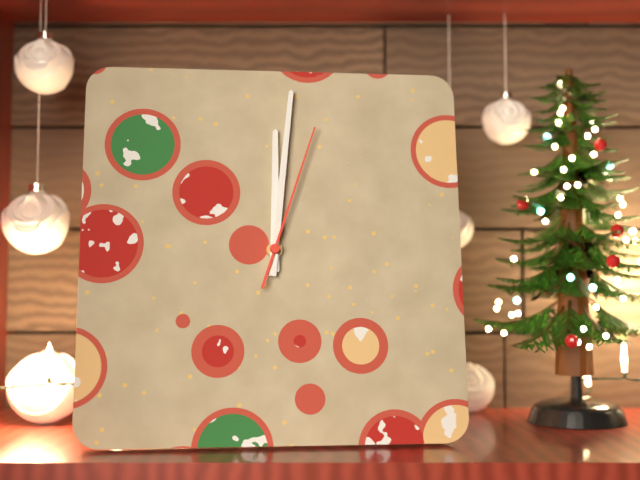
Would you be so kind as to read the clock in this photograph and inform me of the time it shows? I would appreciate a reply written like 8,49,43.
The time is 12,01,03
